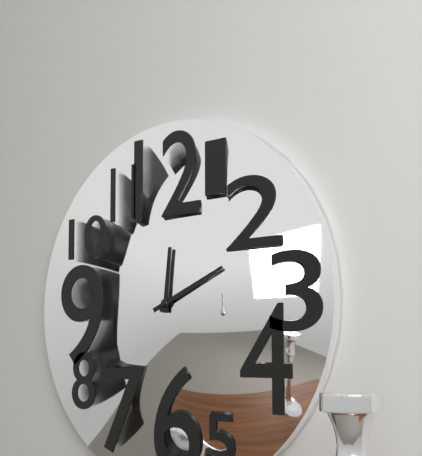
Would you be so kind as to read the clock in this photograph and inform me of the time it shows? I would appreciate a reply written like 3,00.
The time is 12,11
